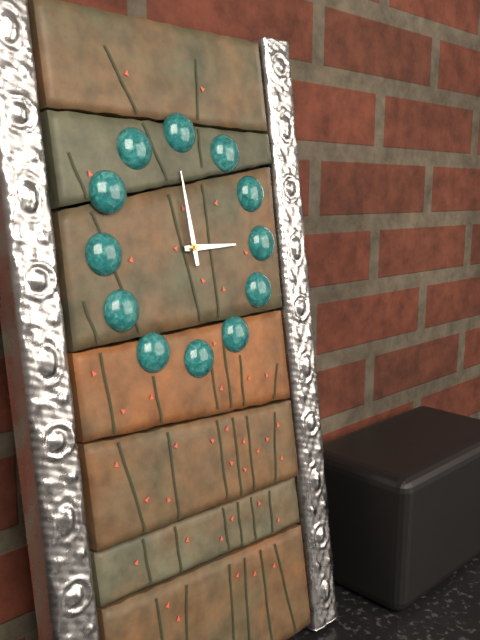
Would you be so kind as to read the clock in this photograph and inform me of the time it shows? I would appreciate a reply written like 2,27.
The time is 2,59
